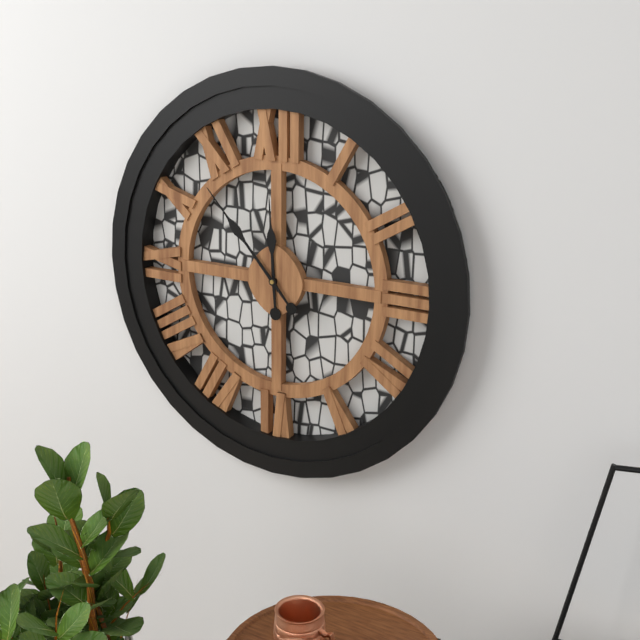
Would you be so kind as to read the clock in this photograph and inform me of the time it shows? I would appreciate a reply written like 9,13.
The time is 11,53
